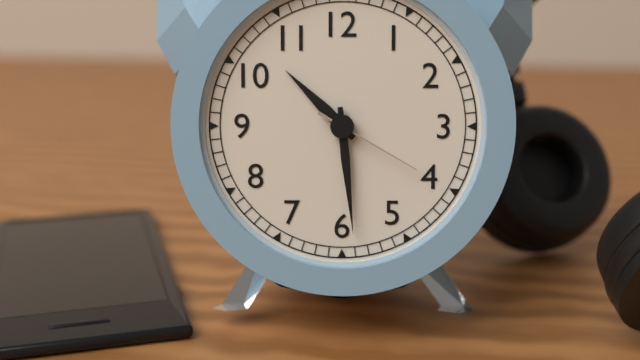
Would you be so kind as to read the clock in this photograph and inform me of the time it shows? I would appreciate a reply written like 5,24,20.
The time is 10,29,20
